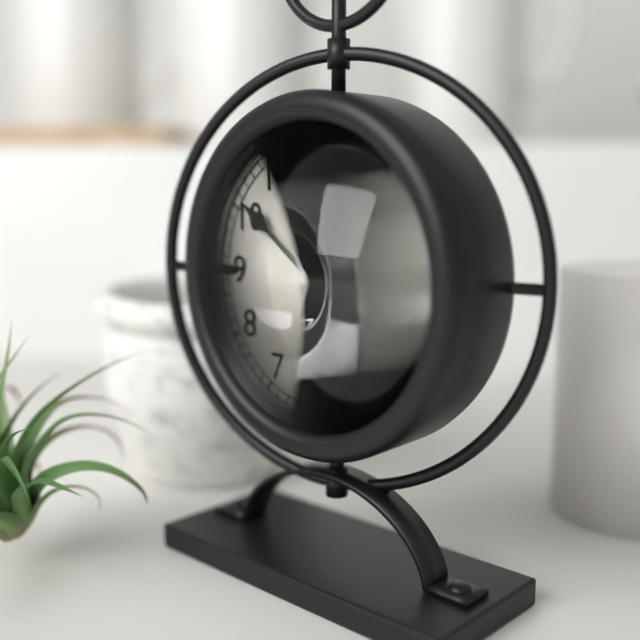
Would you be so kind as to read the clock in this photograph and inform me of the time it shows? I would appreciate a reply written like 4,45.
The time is 4,51
